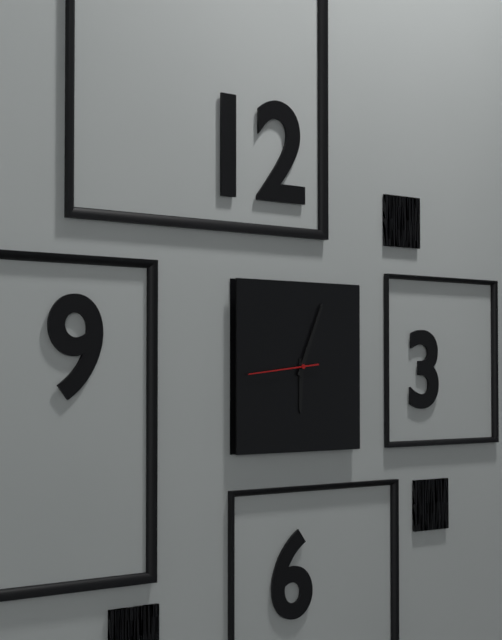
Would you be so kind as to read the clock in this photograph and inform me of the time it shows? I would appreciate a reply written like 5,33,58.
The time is 6,04,44
